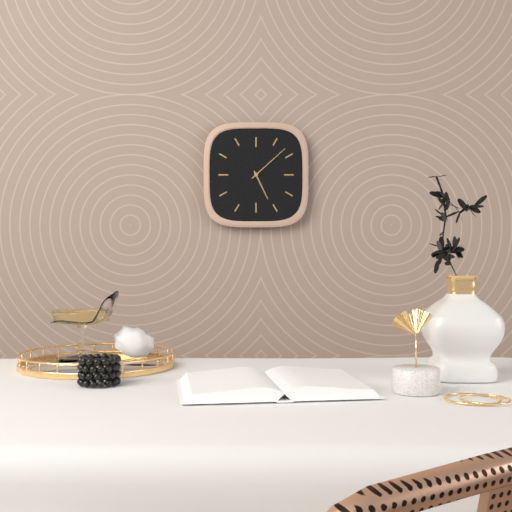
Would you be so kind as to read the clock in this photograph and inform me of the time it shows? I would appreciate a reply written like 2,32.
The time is 5,08
